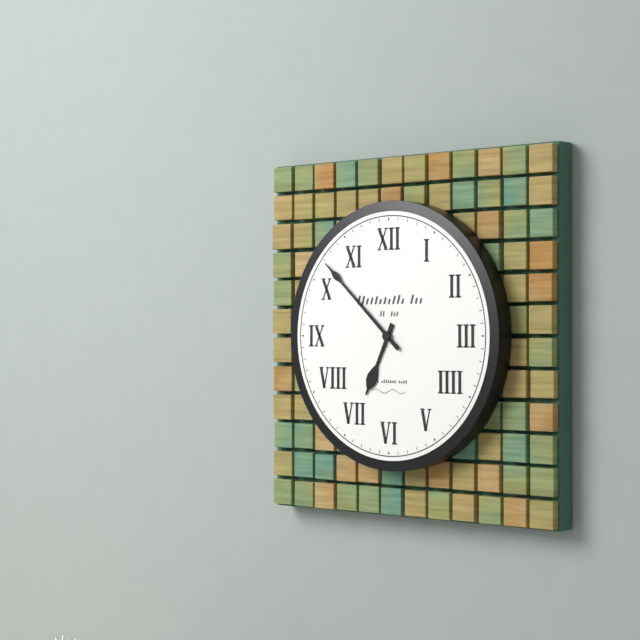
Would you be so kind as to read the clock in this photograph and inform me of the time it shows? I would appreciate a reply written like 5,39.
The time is 6,52
